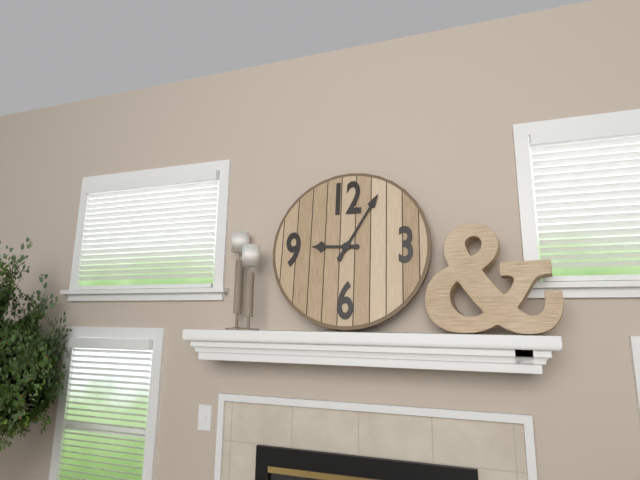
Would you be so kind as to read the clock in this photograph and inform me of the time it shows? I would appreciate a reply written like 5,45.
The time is 9,05
